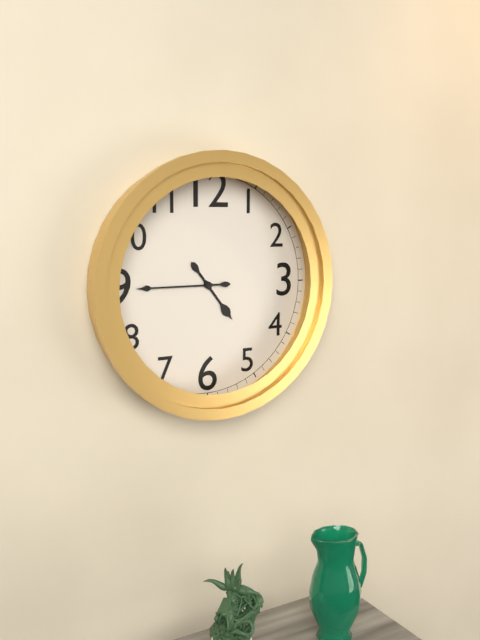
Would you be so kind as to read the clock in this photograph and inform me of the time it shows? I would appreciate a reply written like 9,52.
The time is 4,45
